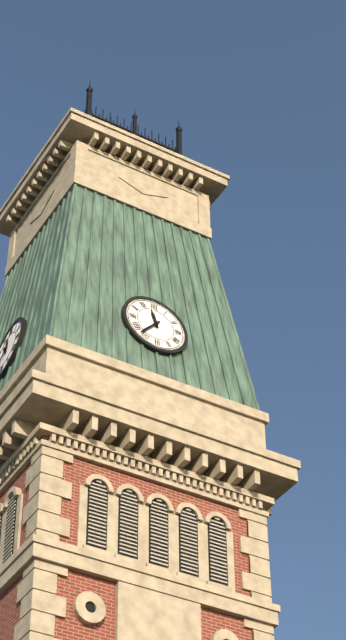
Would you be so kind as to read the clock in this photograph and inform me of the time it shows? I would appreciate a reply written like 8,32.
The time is 11,37
